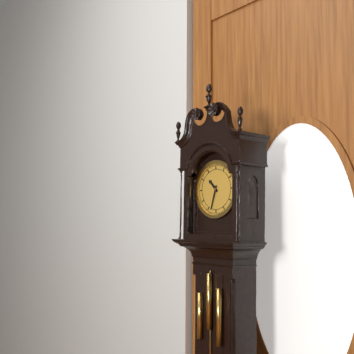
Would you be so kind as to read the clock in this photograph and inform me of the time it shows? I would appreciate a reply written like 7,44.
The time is 10,33
